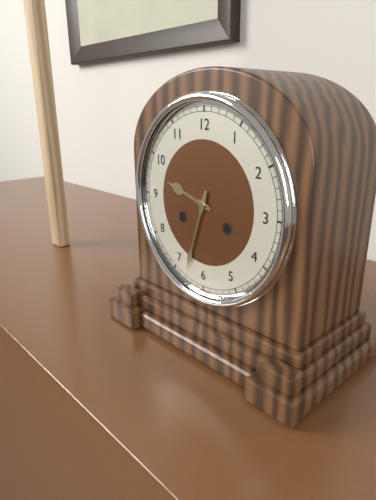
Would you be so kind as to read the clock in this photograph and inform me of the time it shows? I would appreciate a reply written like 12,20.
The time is 9,33
